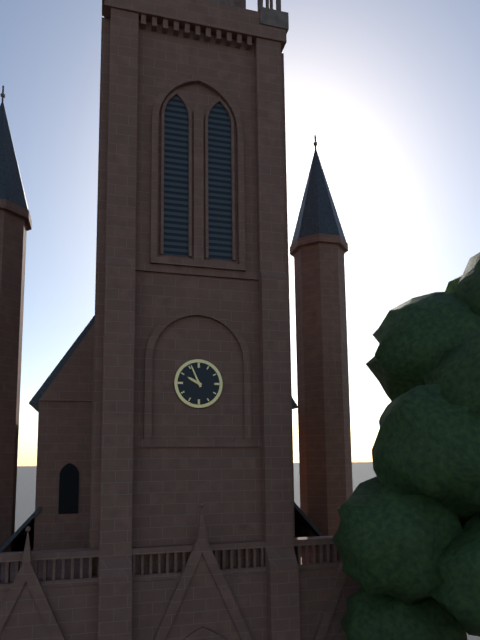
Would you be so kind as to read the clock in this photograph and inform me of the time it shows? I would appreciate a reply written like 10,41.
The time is 9,56
